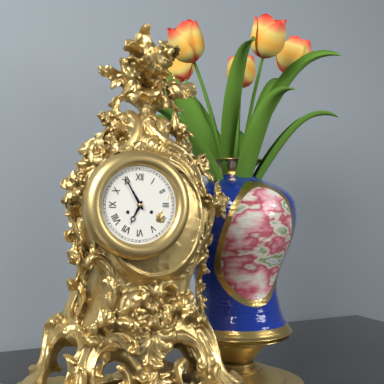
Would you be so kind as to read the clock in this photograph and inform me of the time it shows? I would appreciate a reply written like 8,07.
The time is 6,55
